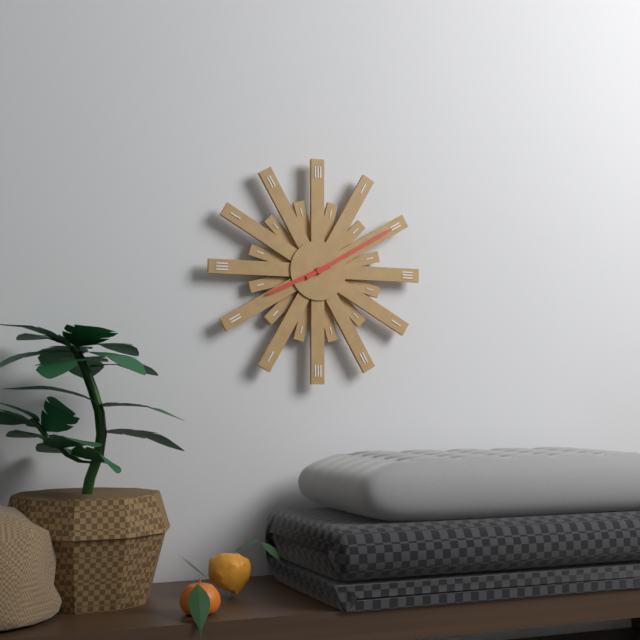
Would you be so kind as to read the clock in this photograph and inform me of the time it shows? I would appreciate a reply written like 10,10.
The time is 8,10
